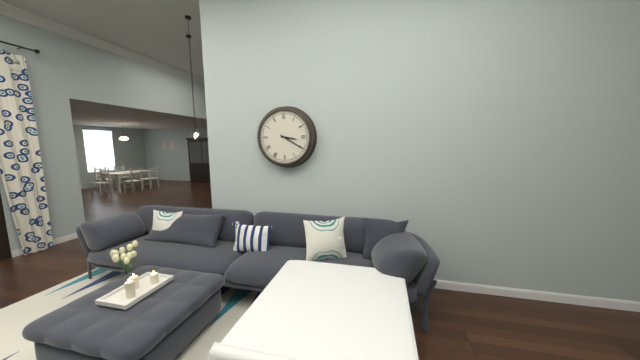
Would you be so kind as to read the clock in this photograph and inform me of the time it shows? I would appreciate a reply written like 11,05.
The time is 3,20
